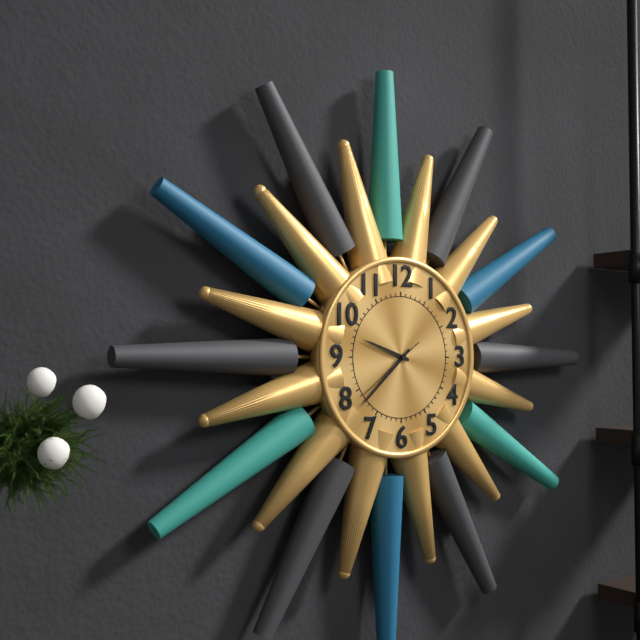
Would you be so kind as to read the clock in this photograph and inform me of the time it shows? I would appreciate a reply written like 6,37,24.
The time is 9,38,39
